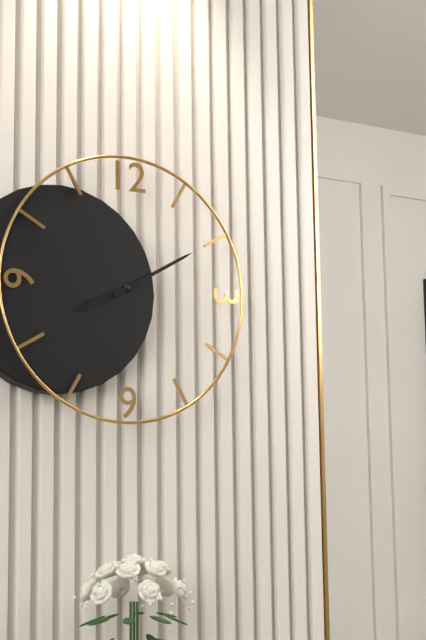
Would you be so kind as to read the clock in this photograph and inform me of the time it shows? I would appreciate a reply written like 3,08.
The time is 8,10
